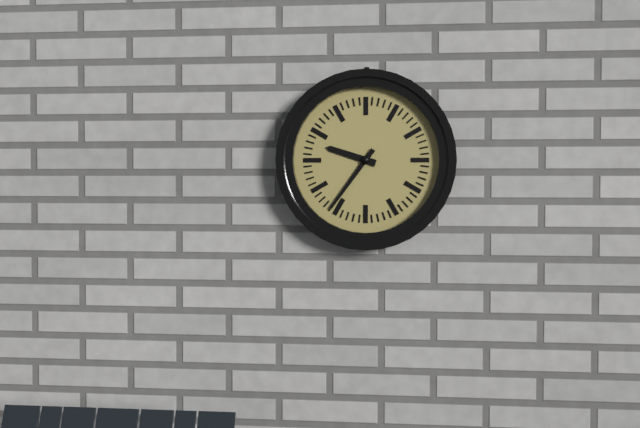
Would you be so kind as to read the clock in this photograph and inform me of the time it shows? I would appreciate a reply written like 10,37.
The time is 9,36
